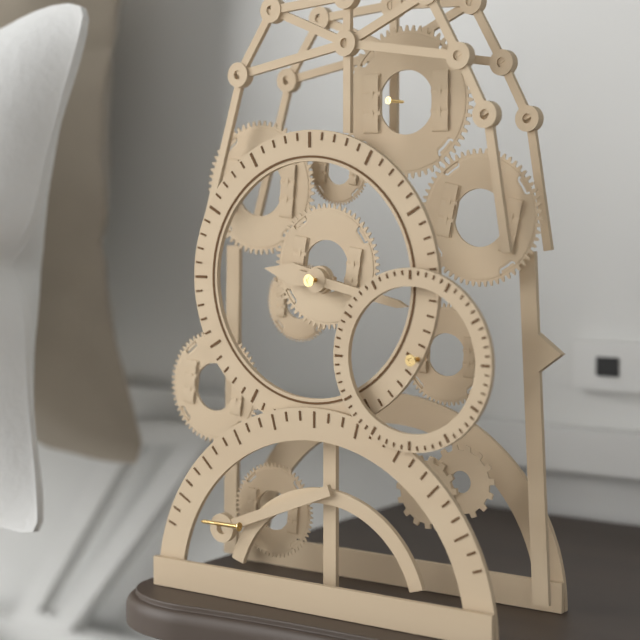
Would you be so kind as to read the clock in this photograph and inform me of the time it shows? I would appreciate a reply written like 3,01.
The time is 9,17
